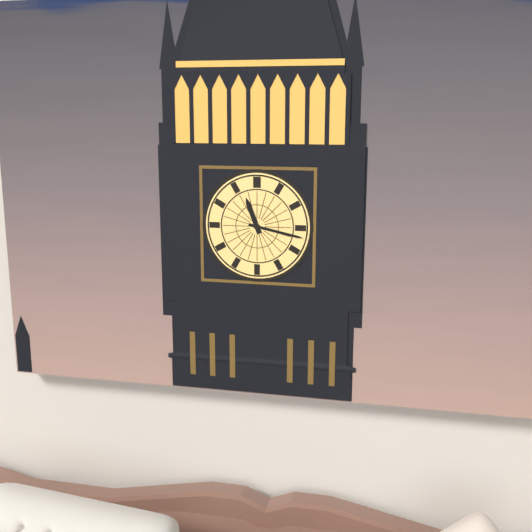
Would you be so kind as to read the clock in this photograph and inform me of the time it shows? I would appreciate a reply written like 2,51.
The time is 11,17
